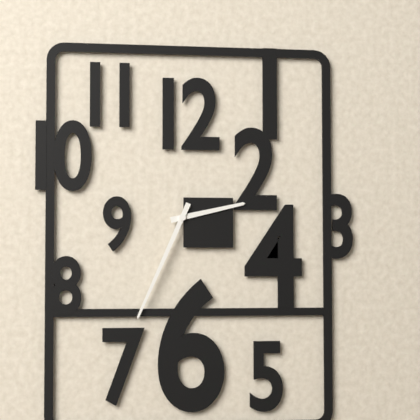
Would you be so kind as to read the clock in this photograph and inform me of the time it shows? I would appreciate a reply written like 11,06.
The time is 2,34
